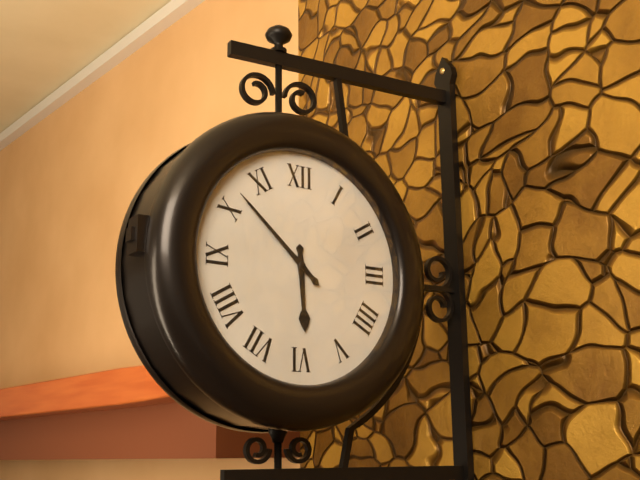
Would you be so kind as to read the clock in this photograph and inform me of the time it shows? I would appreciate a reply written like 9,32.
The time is 5,52
